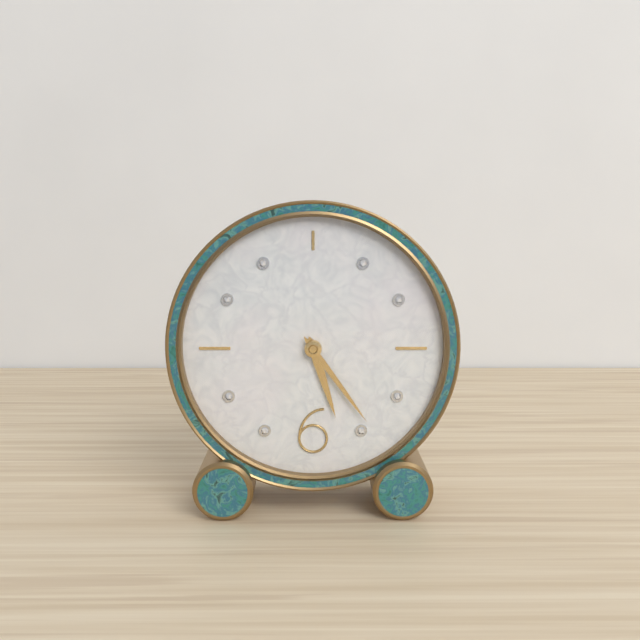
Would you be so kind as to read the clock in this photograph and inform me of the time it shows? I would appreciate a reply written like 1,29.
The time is 5,24
